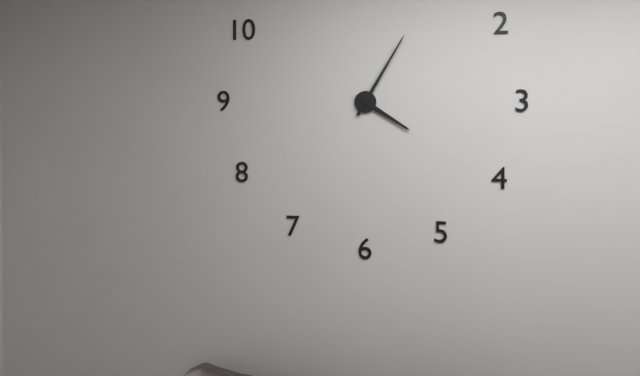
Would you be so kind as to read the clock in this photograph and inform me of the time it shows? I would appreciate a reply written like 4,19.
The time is 4,05
